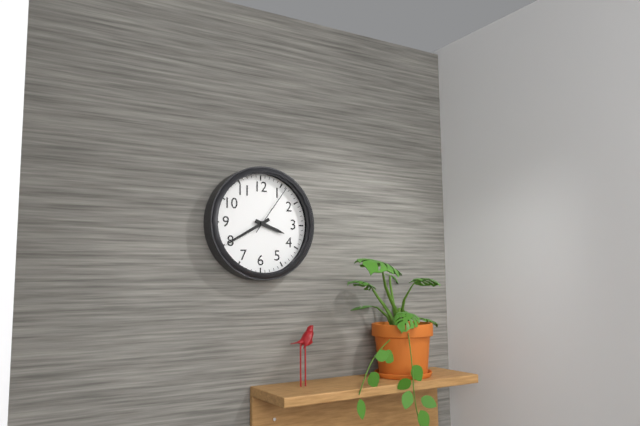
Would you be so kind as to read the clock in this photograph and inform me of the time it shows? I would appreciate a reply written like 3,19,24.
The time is 3,40,06
